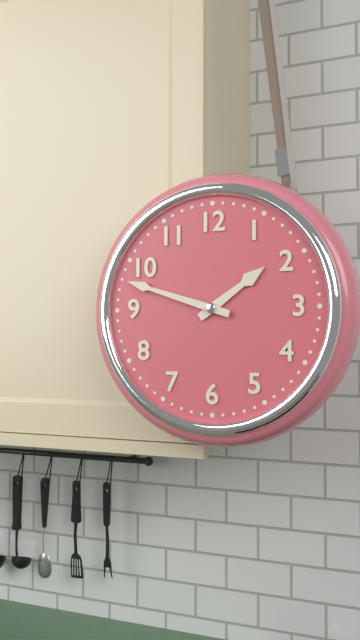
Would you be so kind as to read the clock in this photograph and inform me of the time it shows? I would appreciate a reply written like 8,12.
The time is 1,48
